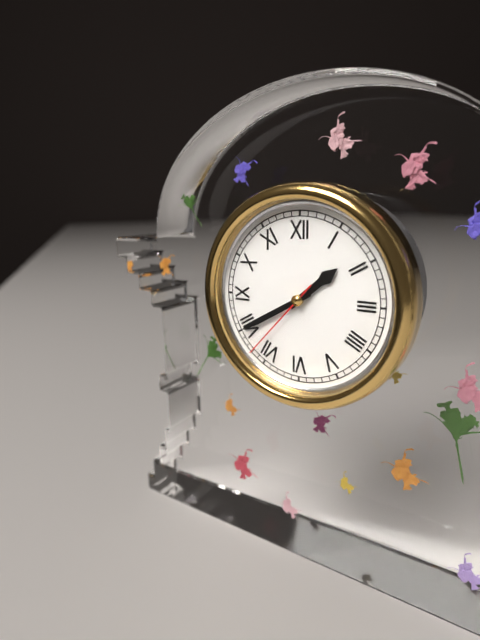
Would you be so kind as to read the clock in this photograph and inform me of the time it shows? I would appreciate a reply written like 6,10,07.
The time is 1,40,37
